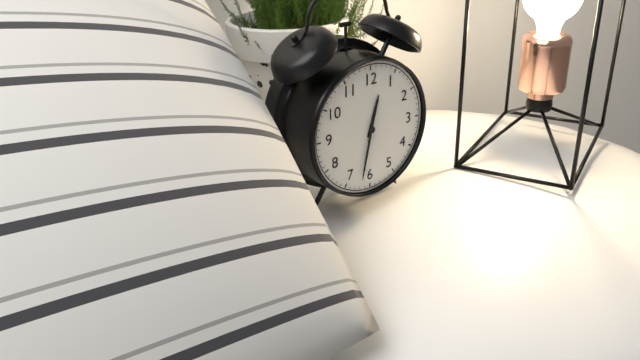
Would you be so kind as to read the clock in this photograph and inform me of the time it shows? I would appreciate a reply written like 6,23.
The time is 12,32
